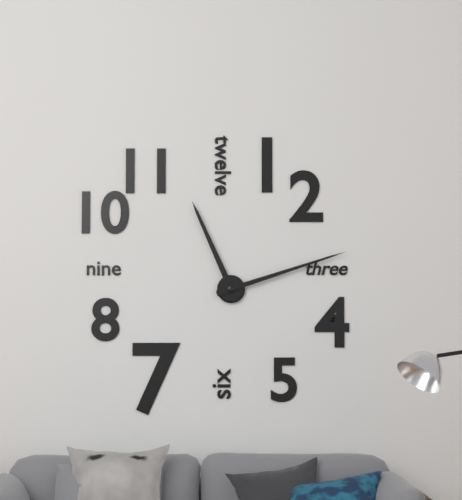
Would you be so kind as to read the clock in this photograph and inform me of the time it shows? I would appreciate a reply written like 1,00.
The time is 11,12
